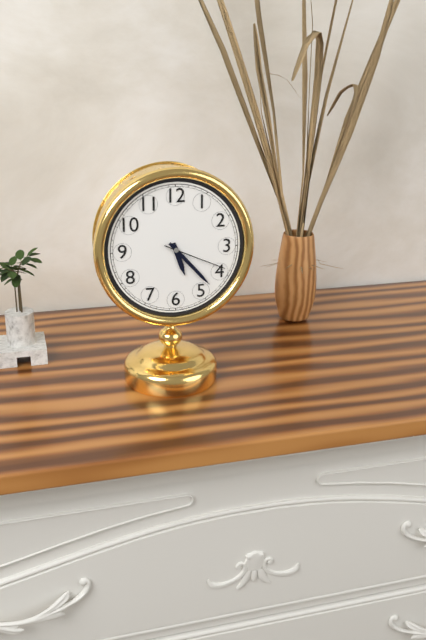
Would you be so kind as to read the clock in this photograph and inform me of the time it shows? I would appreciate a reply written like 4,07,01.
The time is 5,23,19
